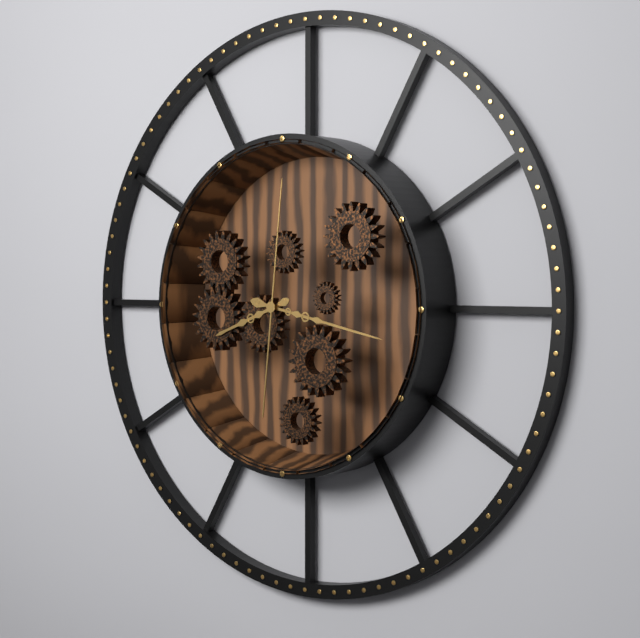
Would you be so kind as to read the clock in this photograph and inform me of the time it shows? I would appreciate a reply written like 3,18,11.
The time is 8,17,01
